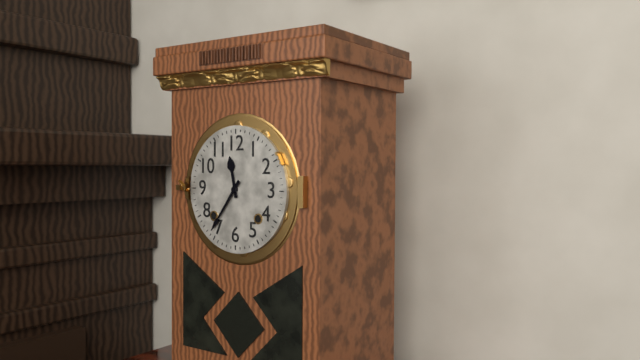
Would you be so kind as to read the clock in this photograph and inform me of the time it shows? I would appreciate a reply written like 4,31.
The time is 11,36
